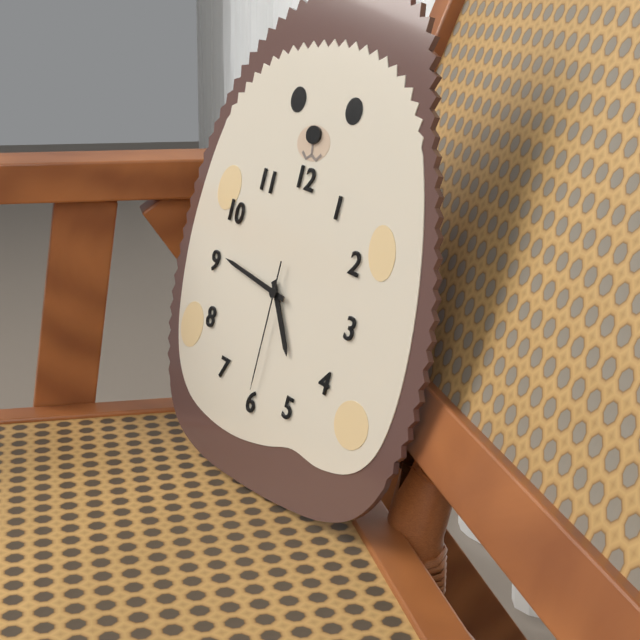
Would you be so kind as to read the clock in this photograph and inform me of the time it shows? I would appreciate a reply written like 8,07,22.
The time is 4,46,30
